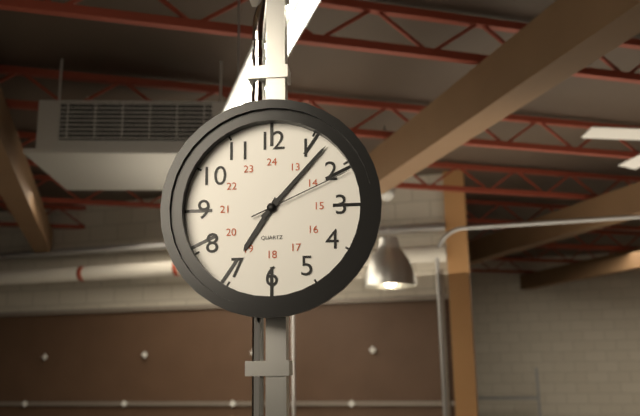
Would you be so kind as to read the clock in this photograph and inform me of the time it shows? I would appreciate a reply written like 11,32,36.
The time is 7,07,11
